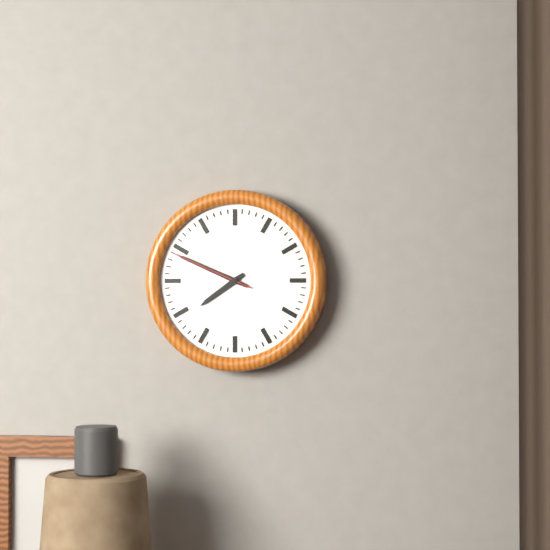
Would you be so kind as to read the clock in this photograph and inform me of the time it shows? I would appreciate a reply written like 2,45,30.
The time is 7,49,49
